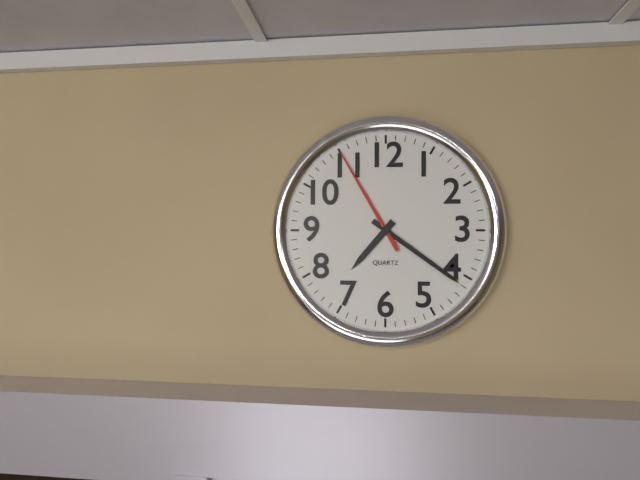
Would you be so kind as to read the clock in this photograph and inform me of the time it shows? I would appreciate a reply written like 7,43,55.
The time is 7,21,55
